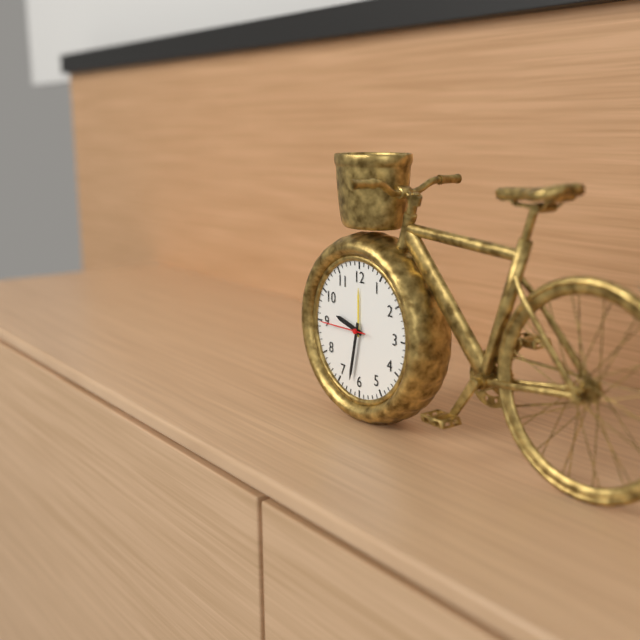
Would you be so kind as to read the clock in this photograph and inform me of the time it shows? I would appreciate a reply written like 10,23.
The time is 9,32
